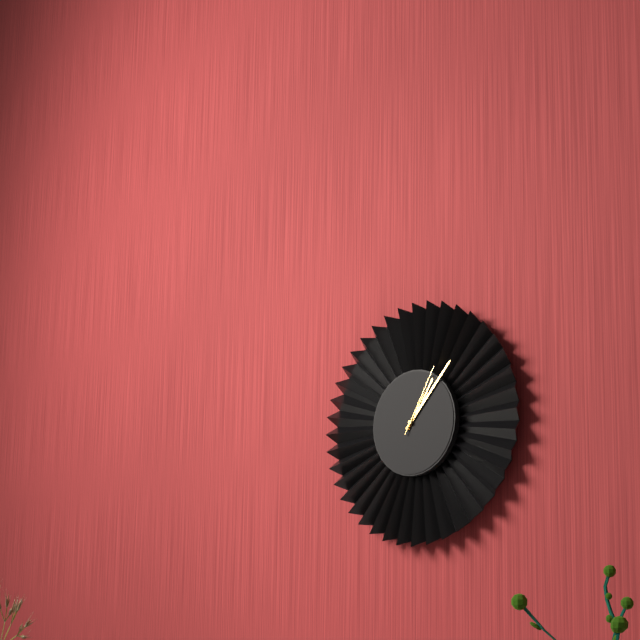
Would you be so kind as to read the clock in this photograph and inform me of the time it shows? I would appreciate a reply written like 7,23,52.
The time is 1,07,05
